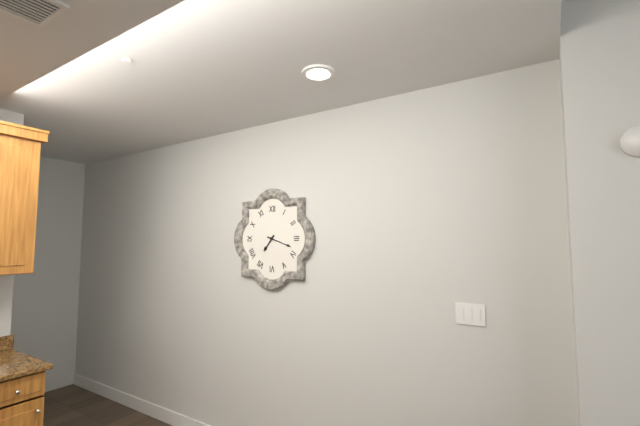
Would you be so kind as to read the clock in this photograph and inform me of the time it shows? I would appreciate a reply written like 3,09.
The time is 7,18
